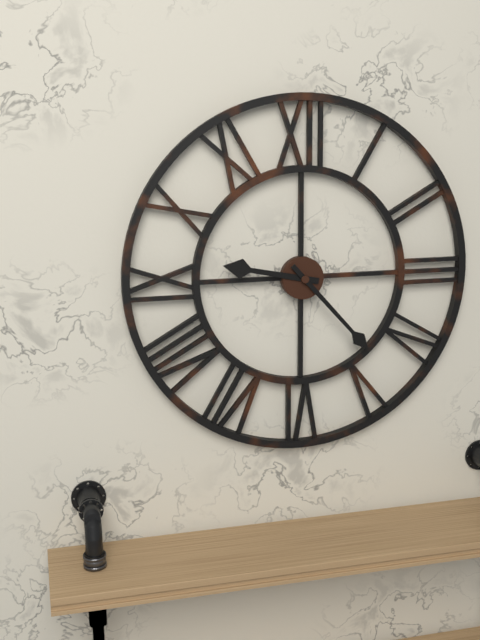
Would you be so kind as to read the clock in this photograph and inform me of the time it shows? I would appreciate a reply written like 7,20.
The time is 9,23
